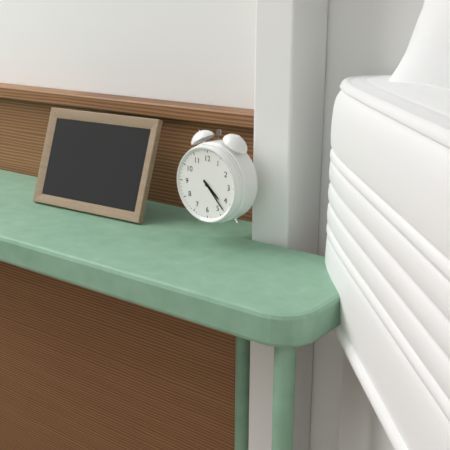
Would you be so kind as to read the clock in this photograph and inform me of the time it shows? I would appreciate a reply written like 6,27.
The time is 4,23
